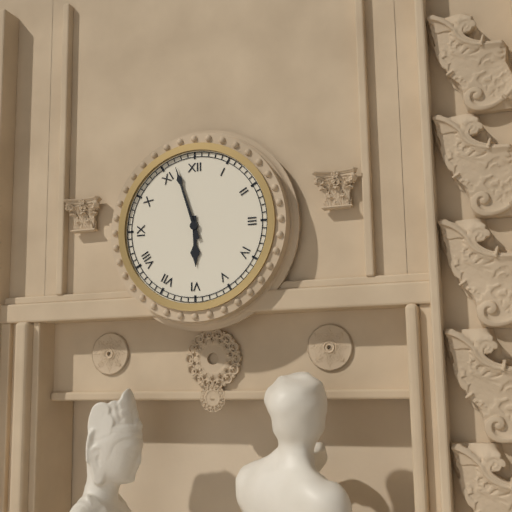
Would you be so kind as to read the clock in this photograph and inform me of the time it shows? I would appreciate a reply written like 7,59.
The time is 5,57
